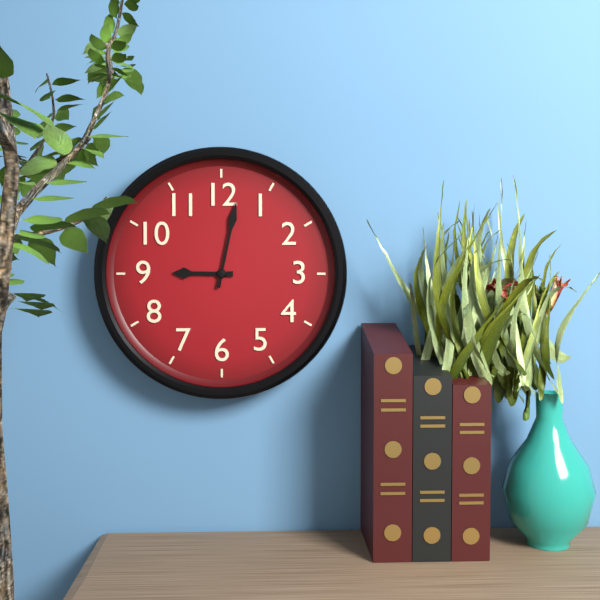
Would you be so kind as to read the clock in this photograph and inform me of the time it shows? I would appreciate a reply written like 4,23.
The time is 9,02
